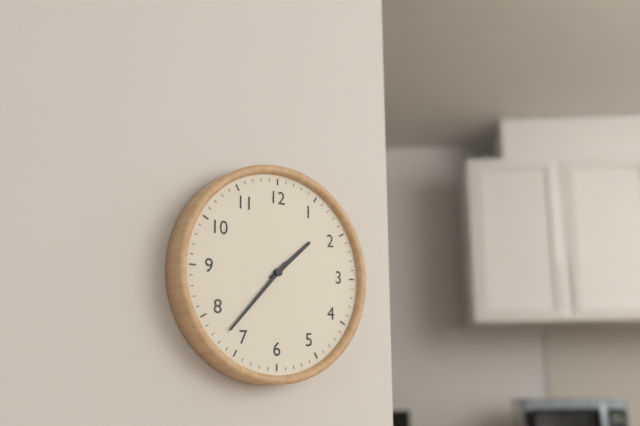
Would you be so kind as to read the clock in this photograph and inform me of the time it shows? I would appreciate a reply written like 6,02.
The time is 1,37
